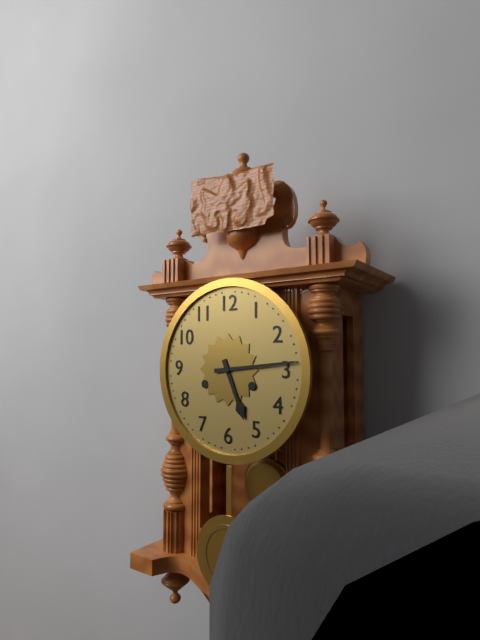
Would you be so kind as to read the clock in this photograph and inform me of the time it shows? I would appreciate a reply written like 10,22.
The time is 5,14
